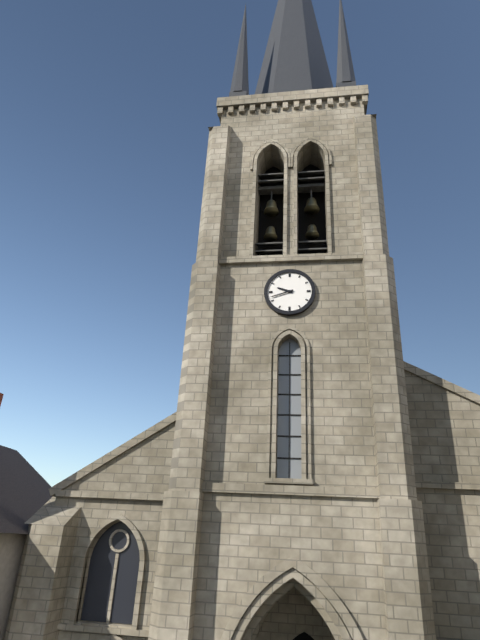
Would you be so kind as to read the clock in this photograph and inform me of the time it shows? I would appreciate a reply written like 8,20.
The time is 9,42
